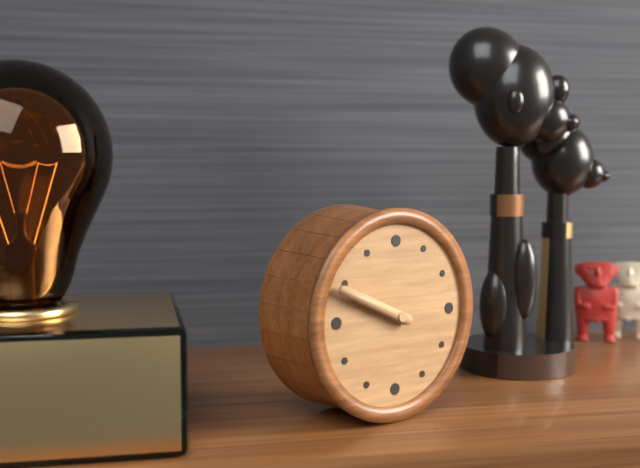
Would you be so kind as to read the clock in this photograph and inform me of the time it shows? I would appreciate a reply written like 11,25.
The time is 9,49
